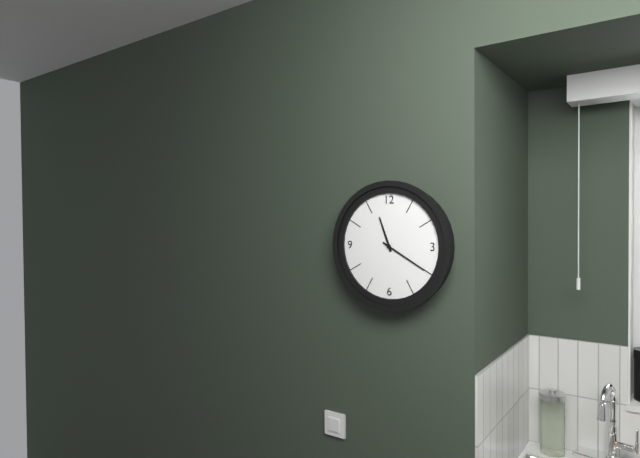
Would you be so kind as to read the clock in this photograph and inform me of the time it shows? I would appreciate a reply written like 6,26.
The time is 11,20
